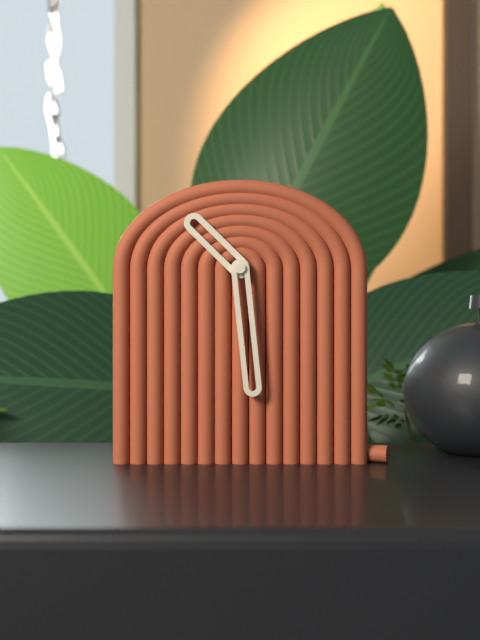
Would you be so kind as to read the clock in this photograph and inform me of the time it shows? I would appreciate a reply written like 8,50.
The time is 10,29
